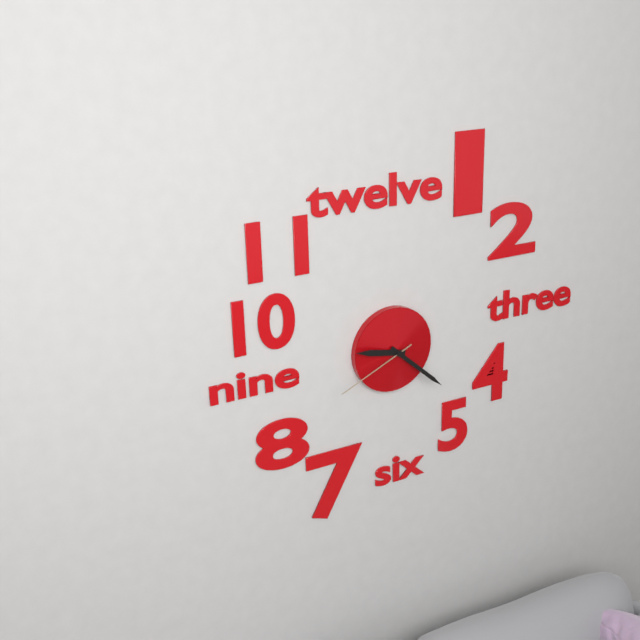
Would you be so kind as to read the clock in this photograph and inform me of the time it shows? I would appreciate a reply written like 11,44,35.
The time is 9,22,41
